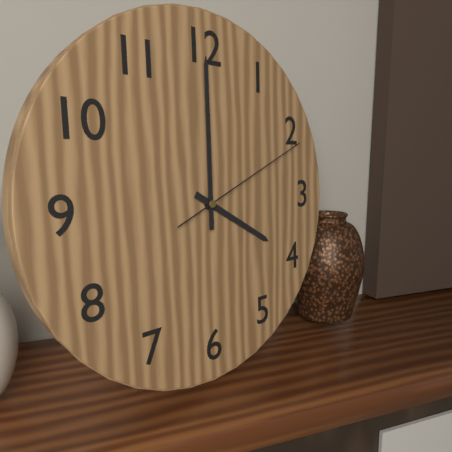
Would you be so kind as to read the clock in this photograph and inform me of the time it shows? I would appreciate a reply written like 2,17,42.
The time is 4,00,11
